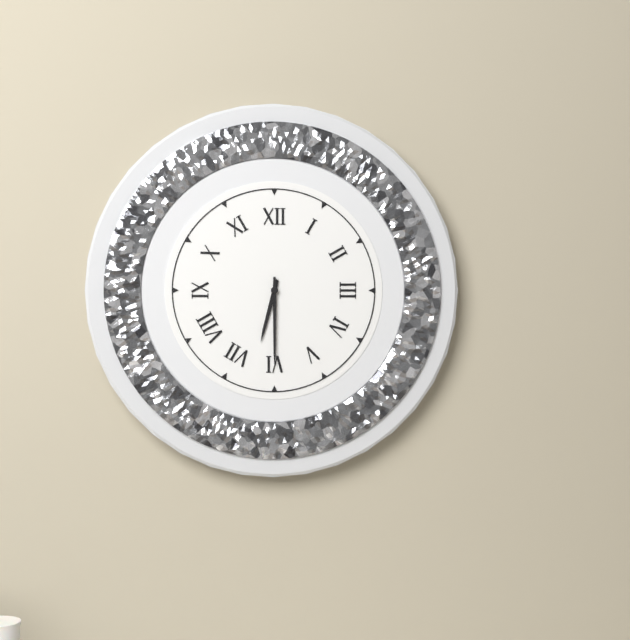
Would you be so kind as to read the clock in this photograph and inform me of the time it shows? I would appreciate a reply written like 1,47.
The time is 6,30
